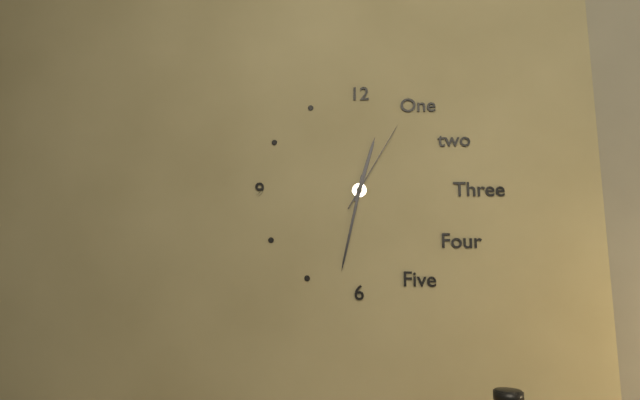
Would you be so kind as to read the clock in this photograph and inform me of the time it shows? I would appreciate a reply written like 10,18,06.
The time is 12,32,05
